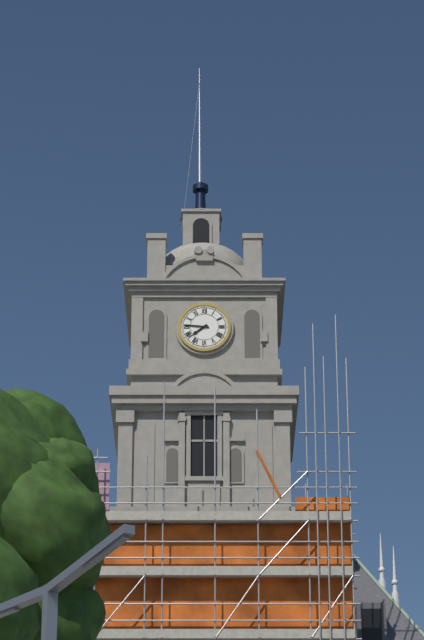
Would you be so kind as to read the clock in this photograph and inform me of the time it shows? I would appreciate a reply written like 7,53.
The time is 7,46
